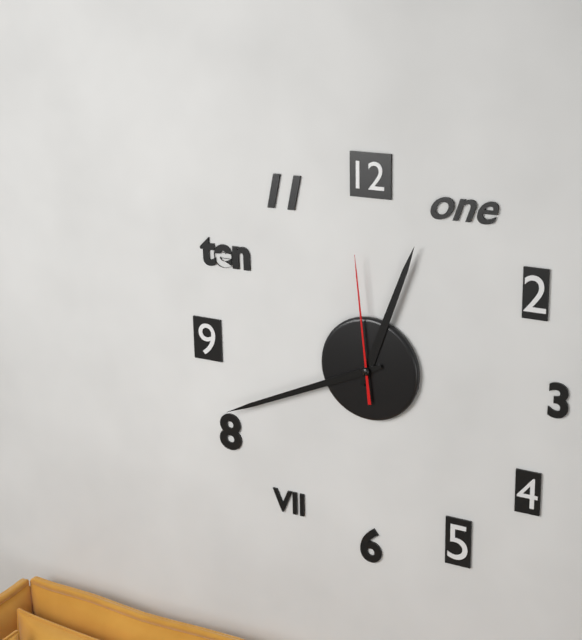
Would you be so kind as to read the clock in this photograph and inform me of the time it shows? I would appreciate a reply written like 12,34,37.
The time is 12,41,59
